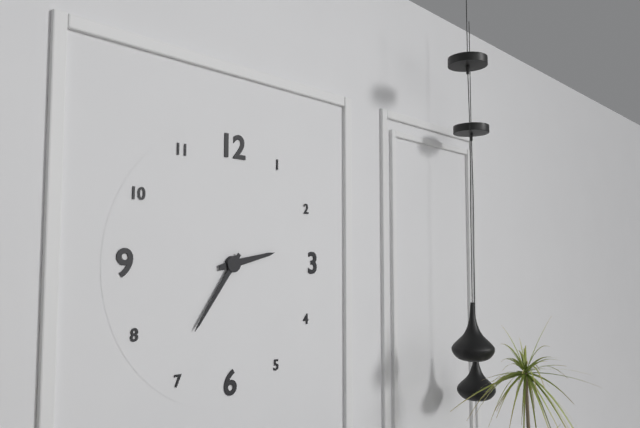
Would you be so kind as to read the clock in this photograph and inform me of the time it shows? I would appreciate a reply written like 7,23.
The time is 2,36
